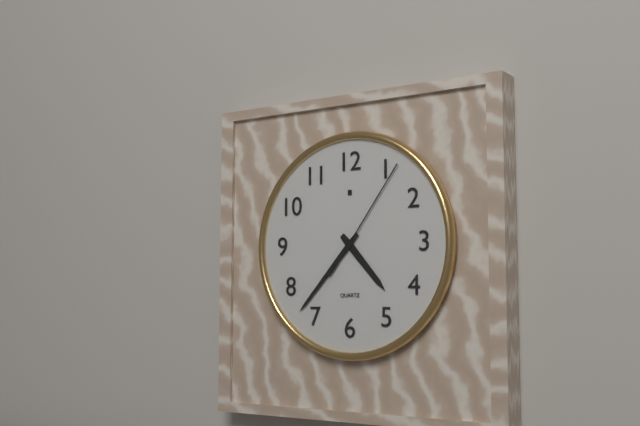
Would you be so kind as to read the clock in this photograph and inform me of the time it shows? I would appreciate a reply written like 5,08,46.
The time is 4,37,06
